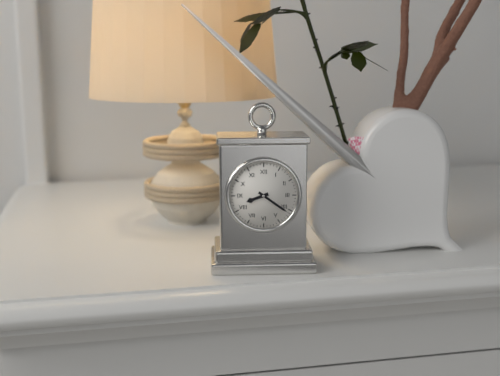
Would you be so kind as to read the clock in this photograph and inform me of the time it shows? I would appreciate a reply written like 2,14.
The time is 8,21
